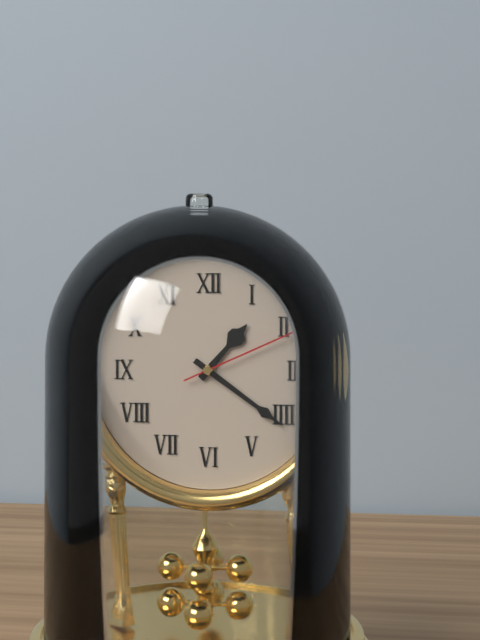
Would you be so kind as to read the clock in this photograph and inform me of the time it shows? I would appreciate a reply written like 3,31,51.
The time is 1,21,11
